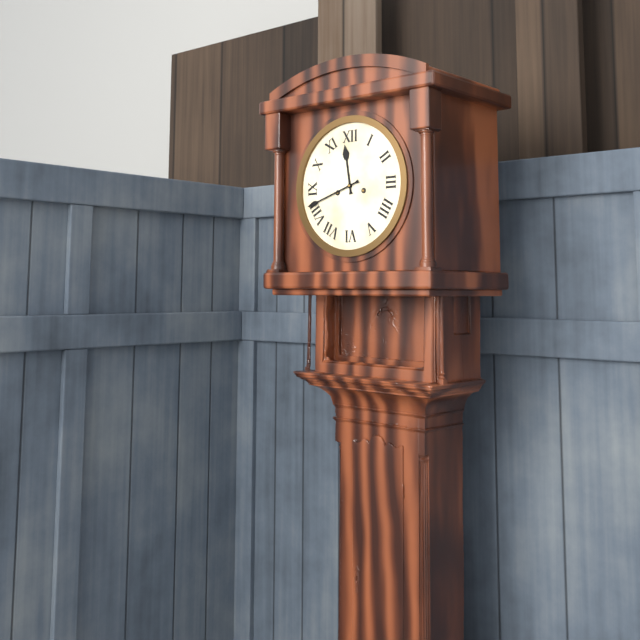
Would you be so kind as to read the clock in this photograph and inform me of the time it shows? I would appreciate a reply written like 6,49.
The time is 11,42
